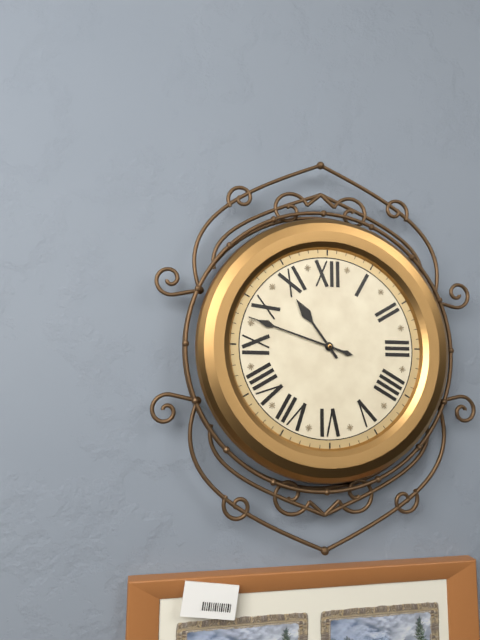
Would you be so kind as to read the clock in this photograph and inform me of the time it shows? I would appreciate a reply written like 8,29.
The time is 10,48
